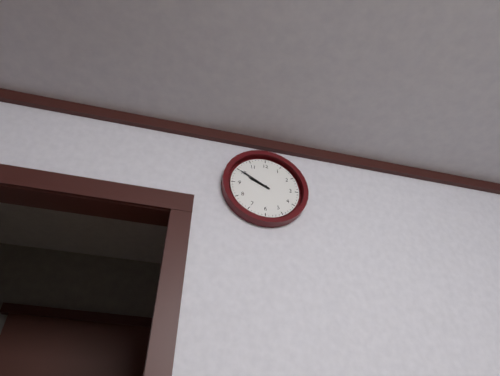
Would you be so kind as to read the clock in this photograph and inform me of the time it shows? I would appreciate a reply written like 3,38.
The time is 9,50
